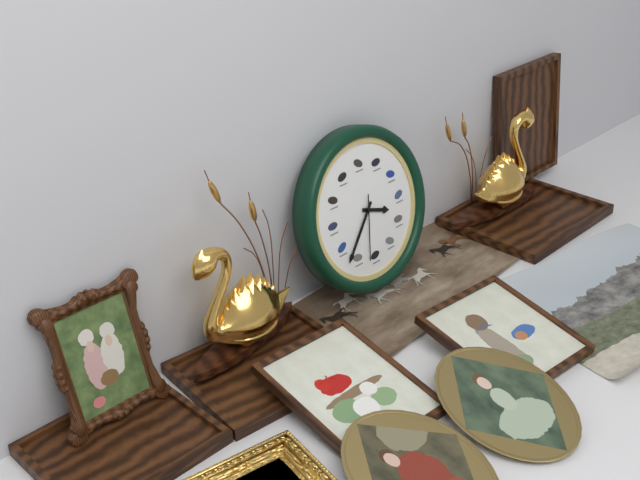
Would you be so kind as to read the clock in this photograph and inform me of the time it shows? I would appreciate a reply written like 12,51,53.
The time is 3,37,32
